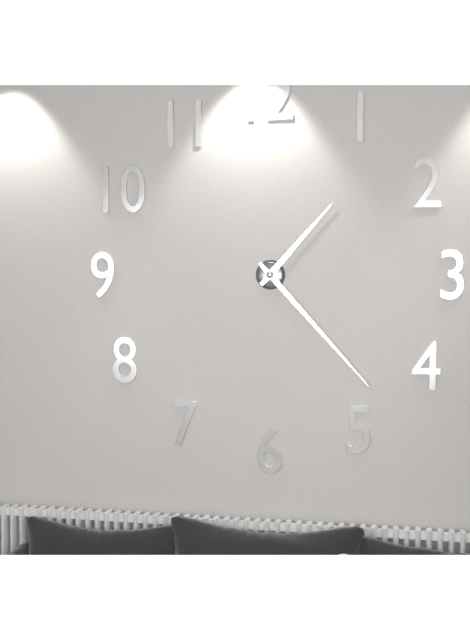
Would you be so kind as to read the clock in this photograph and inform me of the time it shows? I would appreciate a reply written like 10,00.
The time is 1,23
